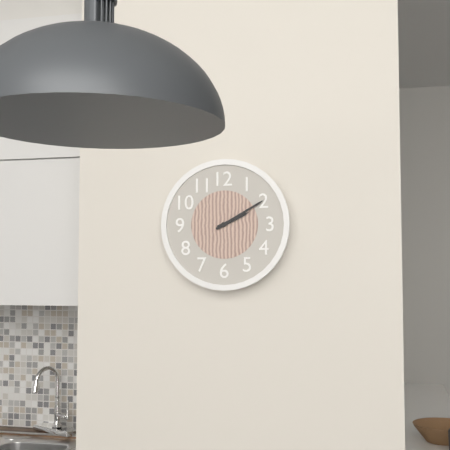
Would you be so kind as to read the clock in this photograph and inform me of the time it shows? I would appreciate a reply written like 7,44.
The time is 2,10
